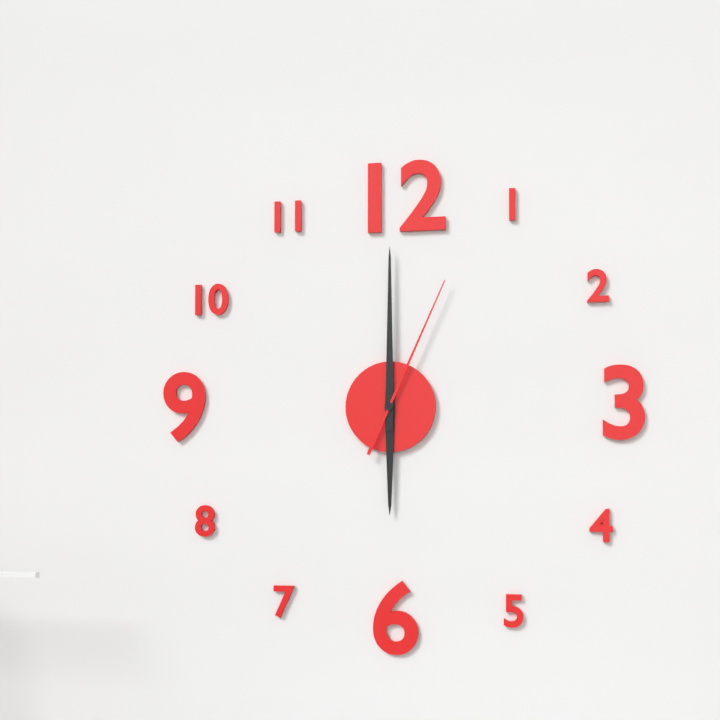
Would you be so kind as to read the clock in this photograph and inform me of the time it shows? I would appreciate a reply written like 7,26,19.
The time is 6,00,04
